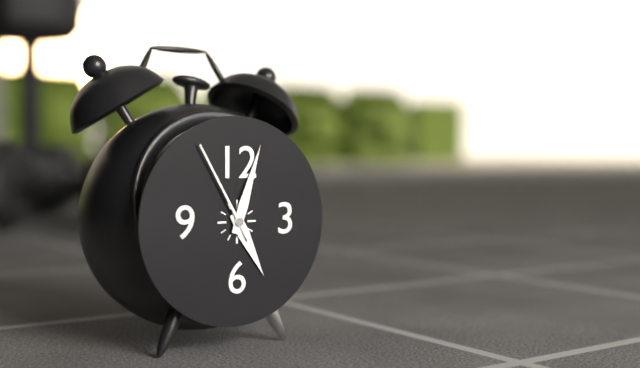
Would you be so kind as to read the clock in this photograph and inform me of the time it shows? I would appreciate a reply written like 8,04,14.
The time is 5,03,55
